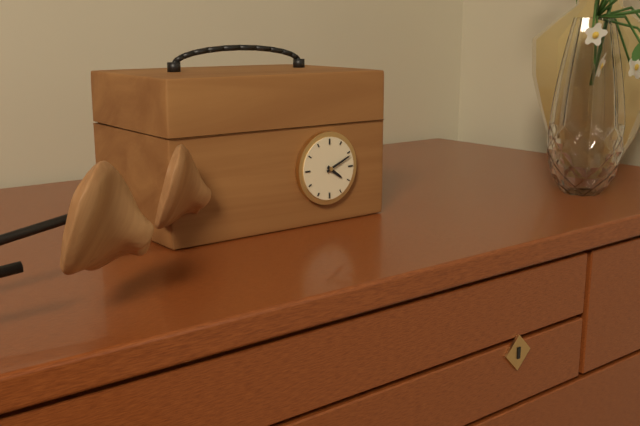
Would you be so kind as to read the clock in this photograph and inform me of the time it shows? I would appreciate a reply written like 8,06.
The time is 4,11
